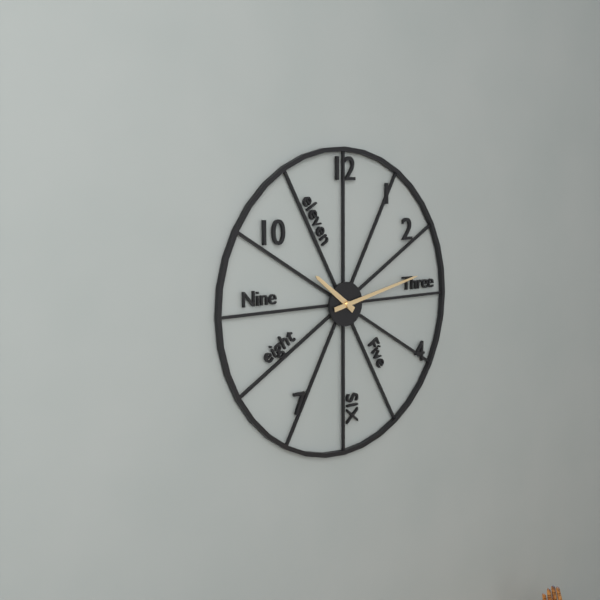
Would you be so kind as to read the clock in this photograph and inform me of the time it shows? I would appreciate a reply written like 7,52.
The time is 10,13
